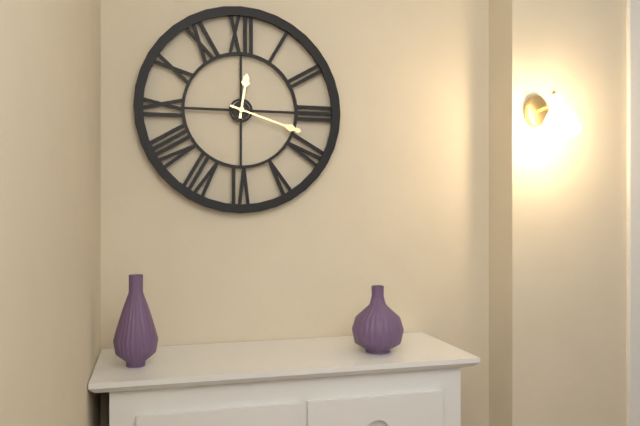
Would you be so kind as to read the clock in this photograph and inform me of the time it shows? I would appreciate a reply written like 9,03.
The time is 12,18
